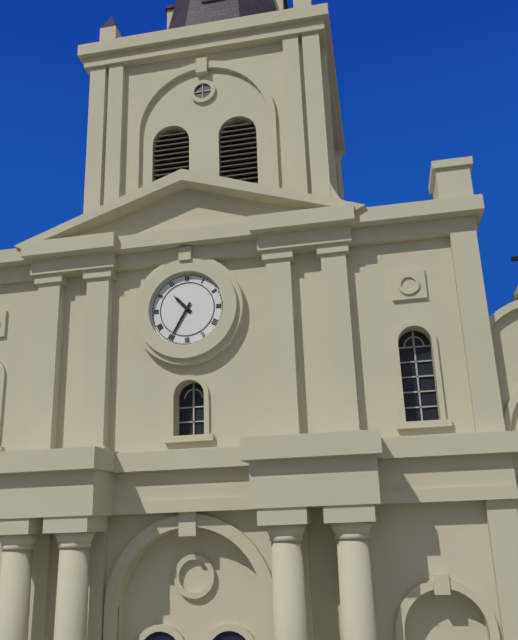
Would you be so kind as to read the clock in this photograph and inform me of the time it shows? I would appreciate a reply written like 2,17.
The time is 10,35
